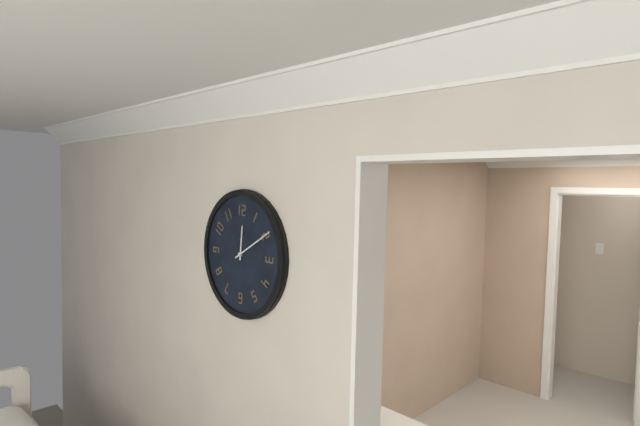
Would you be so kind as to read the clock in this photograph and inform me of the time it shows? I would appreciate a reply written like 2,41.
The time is 12,10
